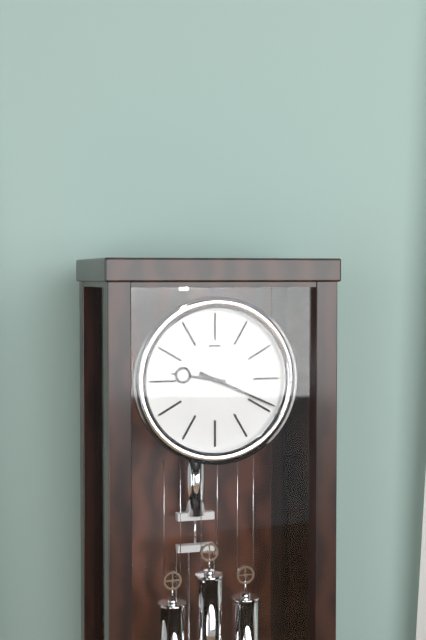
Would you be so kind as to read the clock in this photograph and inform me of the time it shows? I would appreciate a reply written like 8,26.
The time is 9,19
